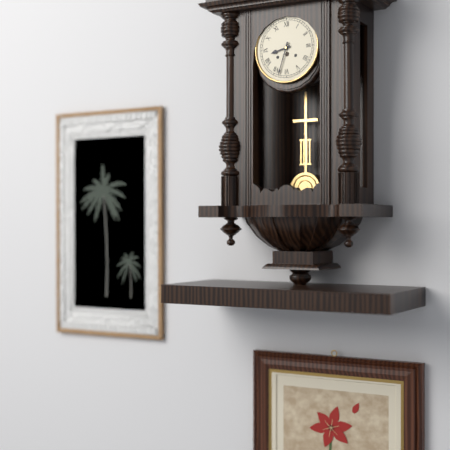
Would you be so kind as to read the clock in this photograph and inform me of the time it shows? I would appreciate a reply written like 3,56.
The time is 8,33
